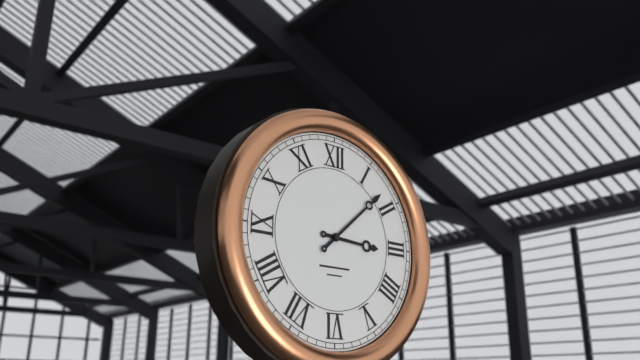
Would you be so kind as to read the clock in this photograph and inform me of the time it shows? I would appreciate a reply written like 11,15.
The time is 3,08
